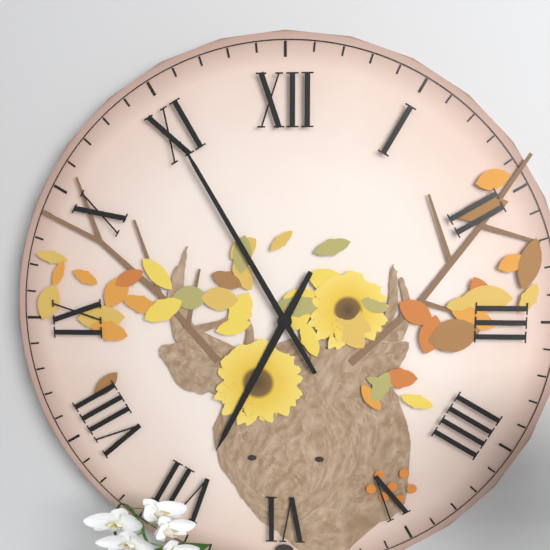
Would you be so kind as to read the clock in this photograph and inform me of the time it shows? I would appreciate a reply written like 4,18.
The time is 6,55
